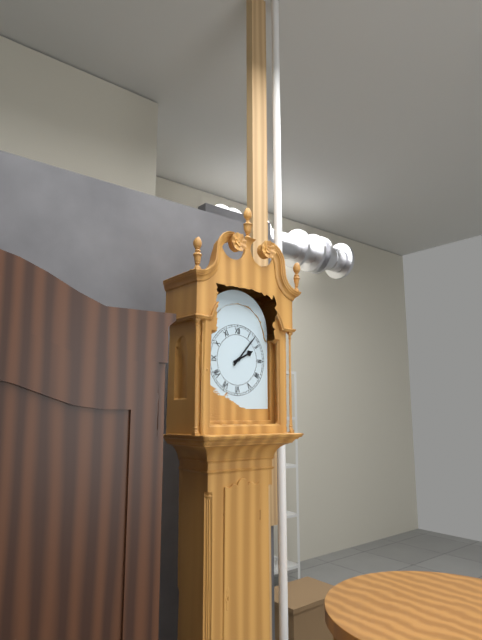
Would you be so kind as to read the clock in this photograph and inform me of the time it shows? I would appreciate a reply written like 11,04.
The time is 2,07
